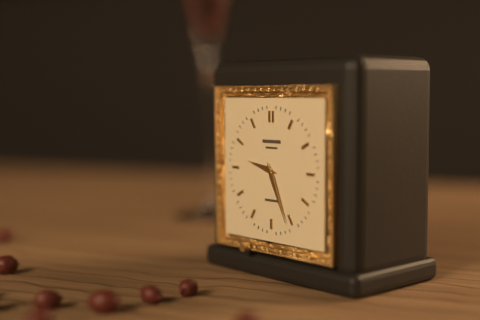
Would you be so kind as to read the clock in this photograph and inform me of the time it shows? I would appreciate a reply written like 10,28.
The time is 9,26
